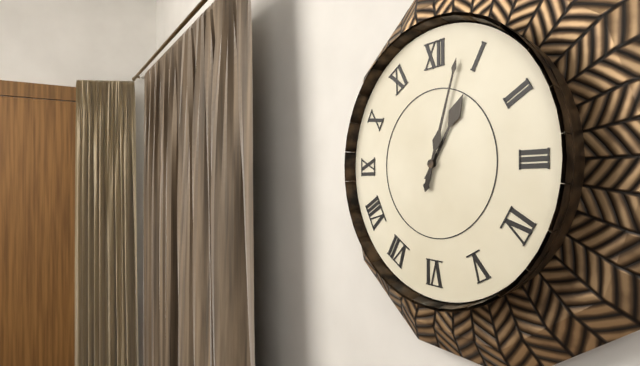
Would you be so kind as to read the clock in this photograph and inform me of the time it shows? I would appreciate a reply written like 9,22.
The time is 1,03
